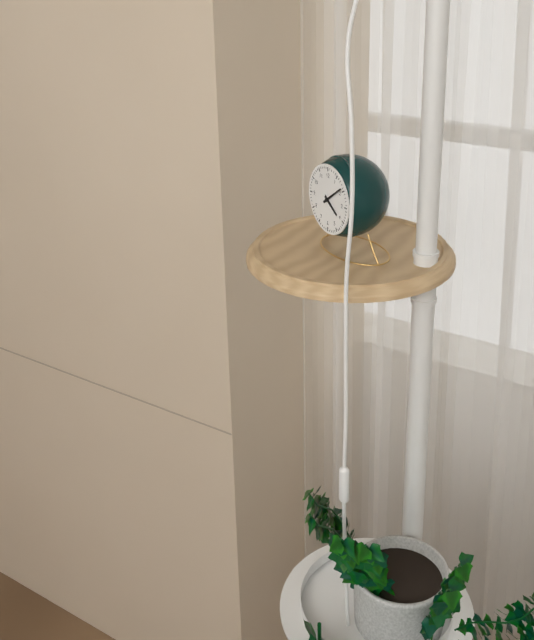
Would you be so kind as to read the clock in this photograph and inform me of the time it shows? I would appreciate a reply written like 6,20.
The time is 4,09
